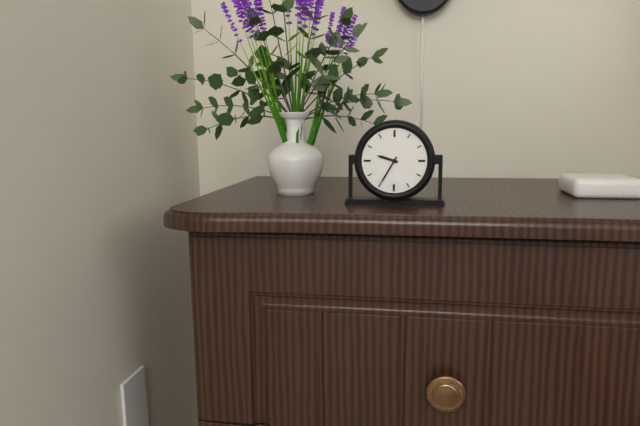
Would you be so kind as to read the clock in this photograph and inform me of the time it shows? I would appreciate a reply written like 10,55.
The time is 9,35
